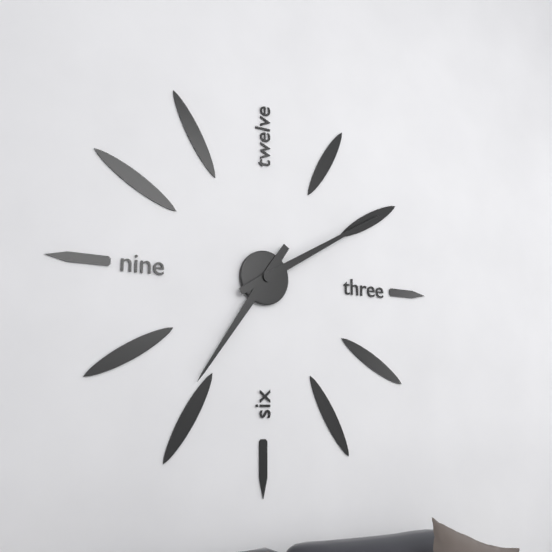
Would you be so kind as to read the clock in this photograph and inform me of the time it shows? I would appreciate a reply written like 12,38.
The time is 7,10
